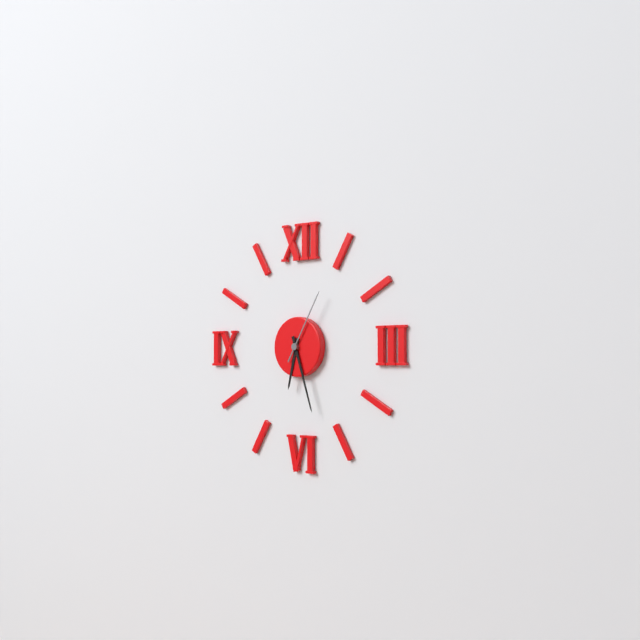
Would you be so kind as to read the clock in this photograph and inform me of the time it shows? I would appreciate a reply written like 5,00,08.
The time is 6,27,05
